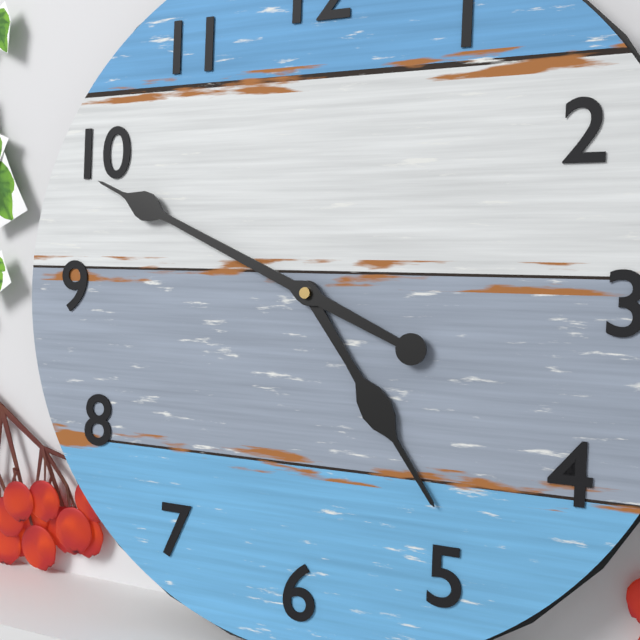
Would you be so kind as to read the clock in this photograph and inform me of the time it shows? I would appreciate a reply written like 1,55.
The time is 4,49
